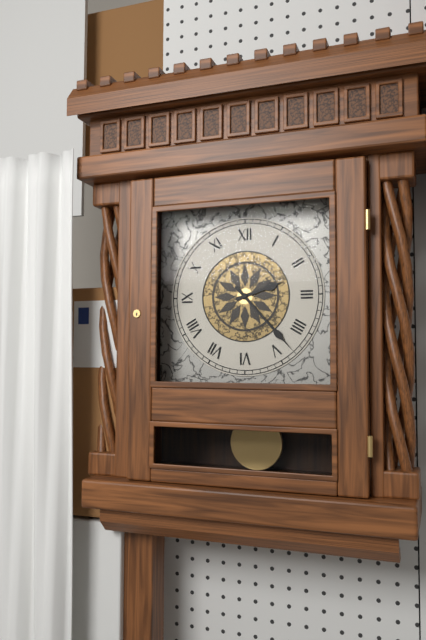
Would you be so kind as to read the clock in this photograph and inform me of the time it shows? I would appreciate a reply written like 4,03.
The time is 2,23
